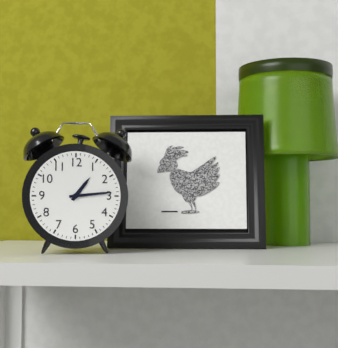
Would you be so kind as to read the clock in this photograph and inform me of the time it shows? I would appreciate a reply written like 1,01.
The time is 1,14
